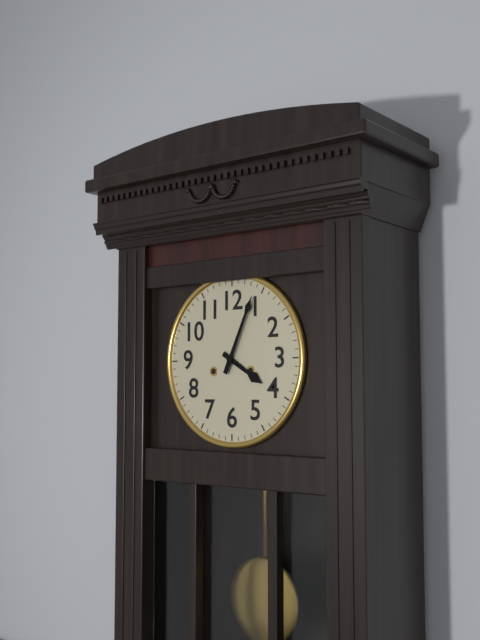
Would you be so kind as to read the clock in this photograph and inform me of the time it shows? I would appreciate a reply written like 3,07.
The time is 4,04
